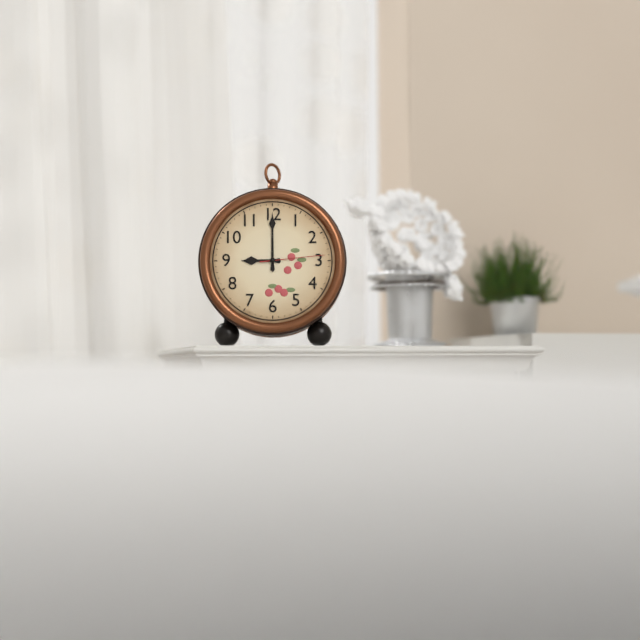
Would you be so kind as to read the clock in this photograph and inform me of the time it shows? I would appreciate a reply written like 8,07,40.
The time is 9,00,14
